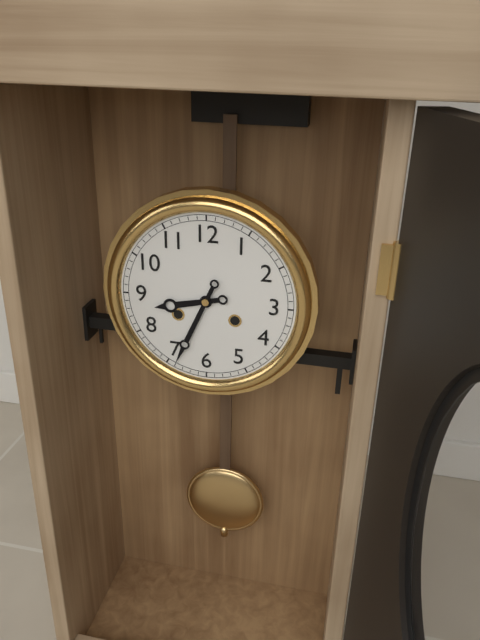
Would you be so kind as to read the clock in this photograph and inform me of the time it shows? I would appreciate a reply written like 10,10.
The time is 8,34
